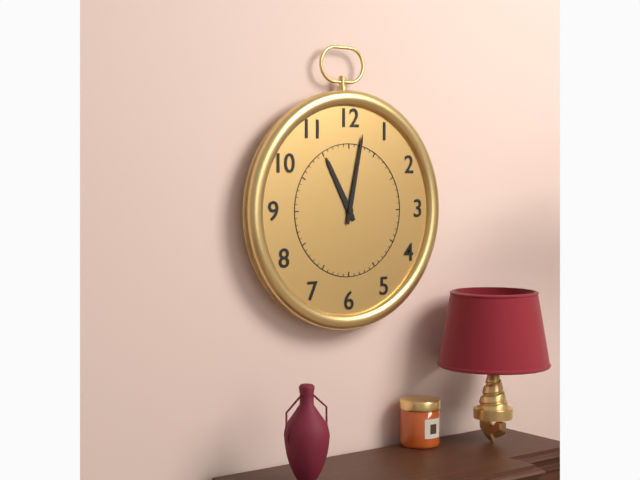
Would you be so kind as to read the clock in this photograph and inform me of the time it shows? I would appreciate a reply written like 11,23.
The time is 11,02
